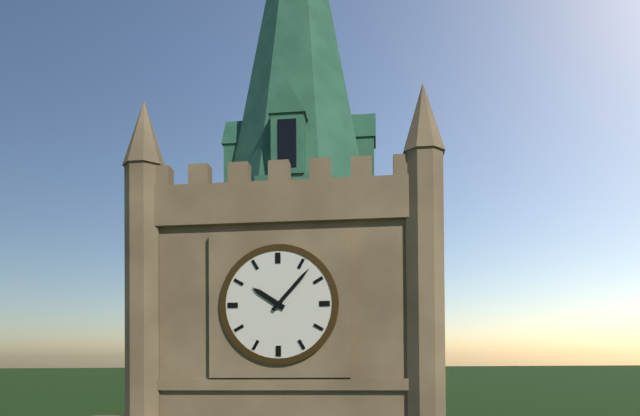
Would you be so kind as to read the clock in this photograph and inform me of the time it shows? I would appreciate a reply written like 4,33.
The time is 10,07
